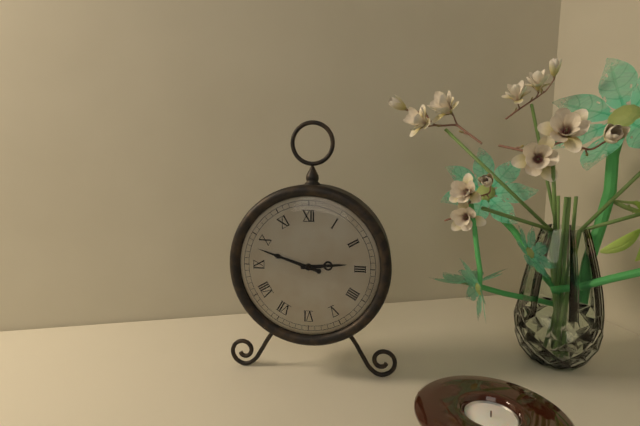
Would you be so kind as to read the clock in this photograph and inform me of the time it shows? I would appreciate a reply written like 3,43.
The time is 2,48
